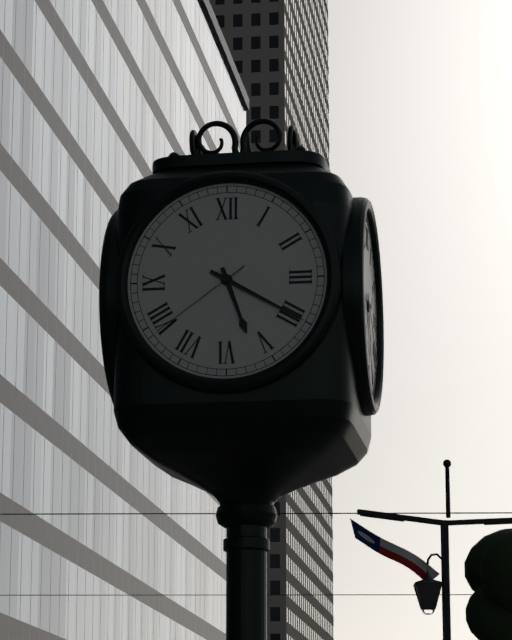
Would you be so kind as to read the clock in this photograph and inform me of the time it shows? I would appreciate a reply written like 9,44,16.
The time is 5,20,39
